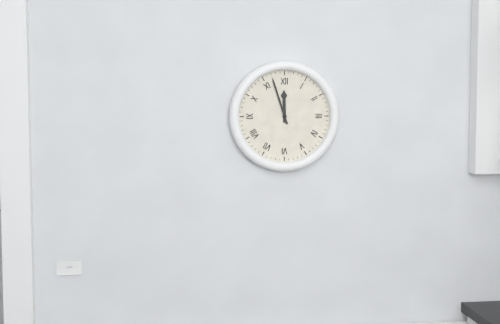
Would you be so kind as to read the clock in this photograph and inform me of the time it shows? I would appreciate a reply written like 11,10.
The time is 11,57
